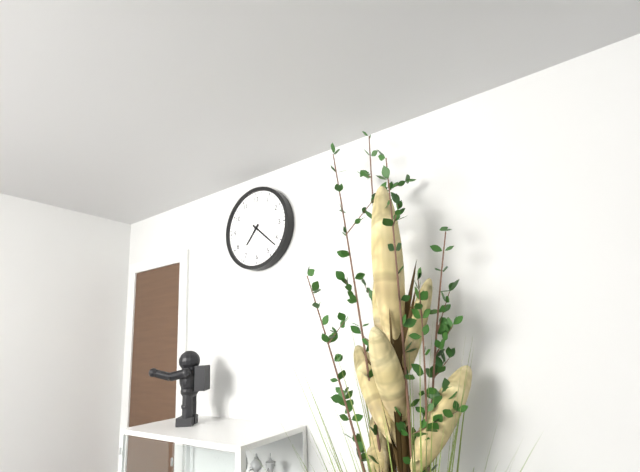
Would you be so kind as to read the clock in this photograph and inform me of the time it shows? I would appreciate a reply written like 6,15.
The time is 7,22
